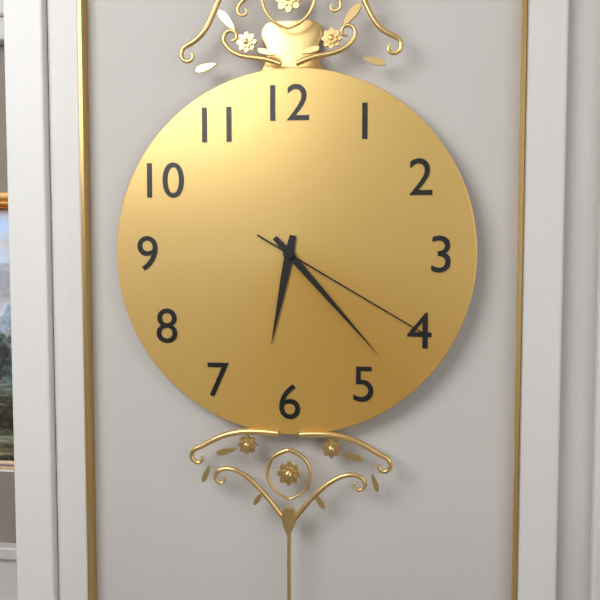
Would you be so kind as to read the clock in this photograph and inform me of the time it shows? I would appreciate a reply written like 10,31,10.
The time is 6,23,20
